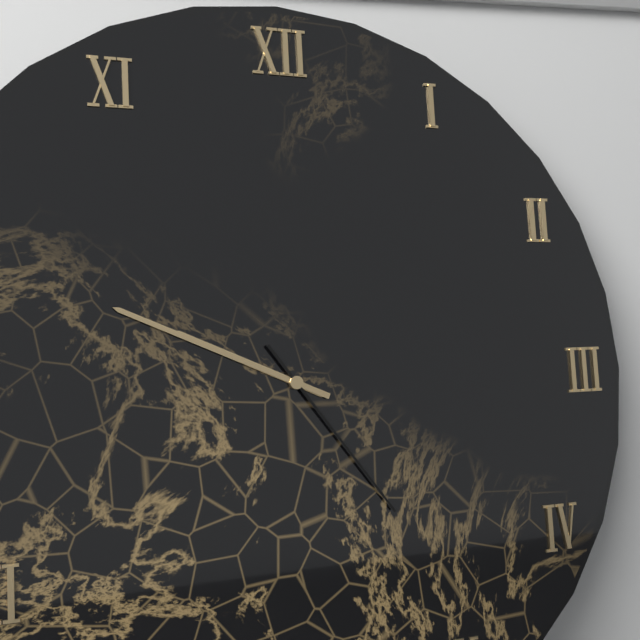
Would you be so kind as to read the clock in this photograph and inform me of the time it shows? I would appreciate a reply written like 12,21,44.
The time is 9,49,24
